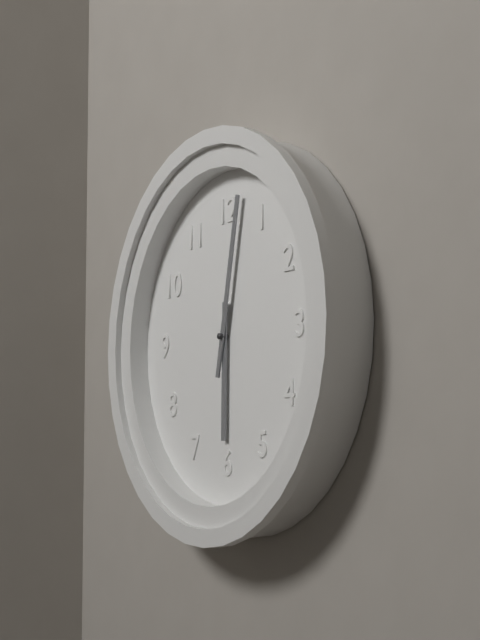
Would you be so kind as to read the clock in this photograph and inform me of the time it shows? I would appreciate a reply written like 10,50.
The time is 6,02
